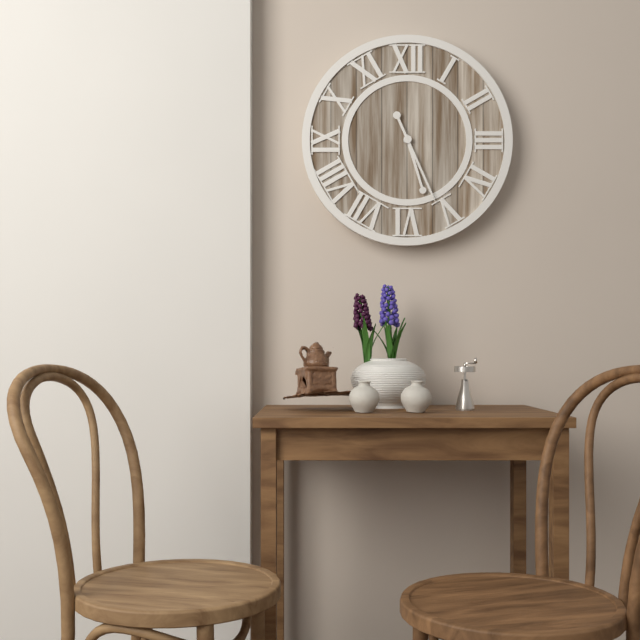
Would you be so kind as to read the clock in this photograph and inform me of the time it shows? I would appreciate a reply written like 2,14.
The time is 5,26
